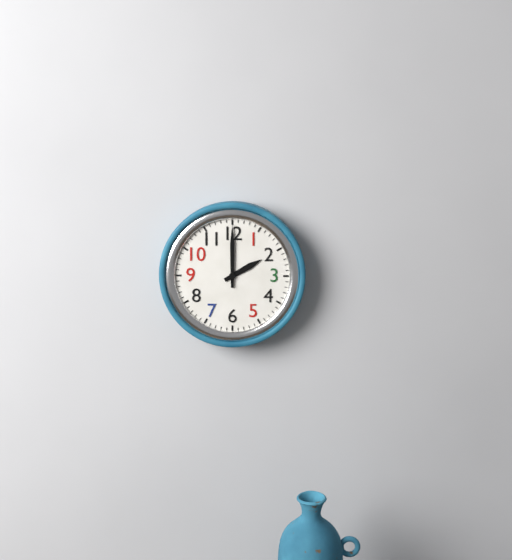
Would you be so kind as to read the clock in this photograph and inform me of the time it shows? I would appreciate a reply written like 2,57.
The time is 2,00
